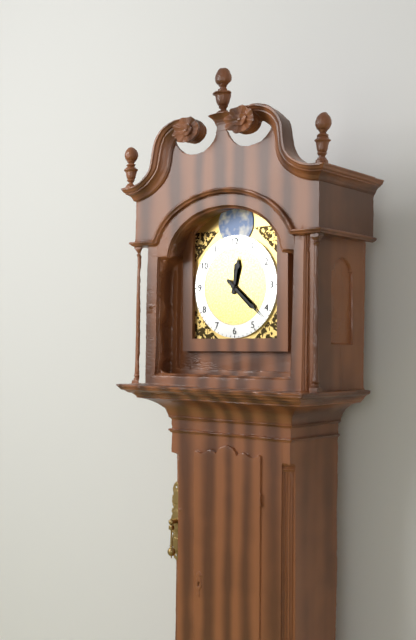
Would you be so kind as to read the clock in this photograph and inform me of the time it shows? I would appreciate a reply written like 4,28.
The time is 12,22
